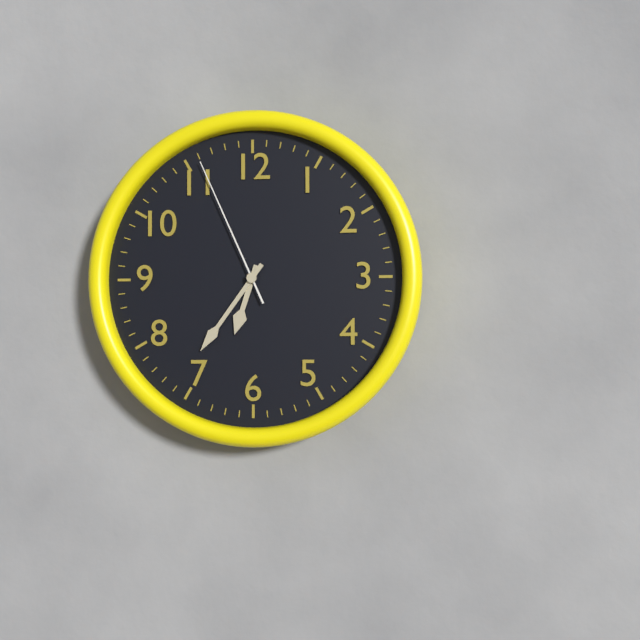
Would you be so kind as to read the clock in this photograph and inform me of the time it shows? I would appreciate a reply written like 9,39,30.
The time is 6,36,56
